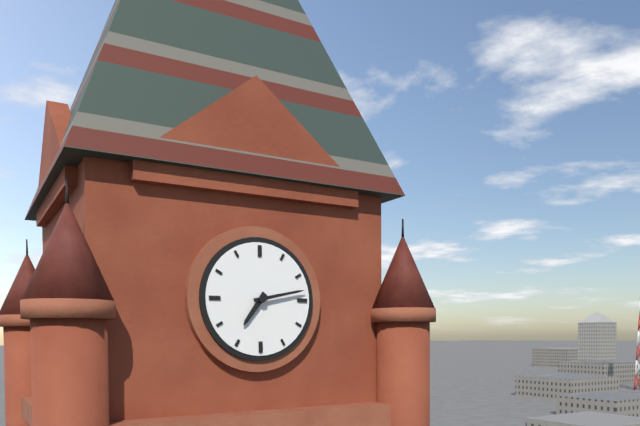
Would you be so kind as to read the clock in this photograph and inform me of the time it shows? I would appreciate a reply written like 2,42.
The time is 7,13
